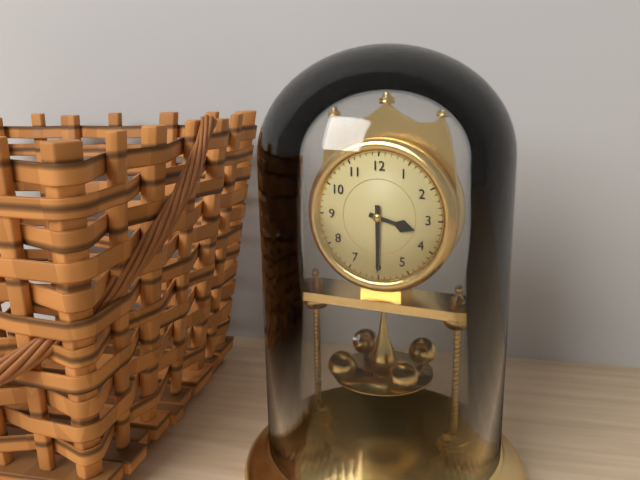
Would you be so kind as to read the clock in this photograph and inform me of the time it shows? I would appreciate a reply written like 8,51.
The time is 3,30
